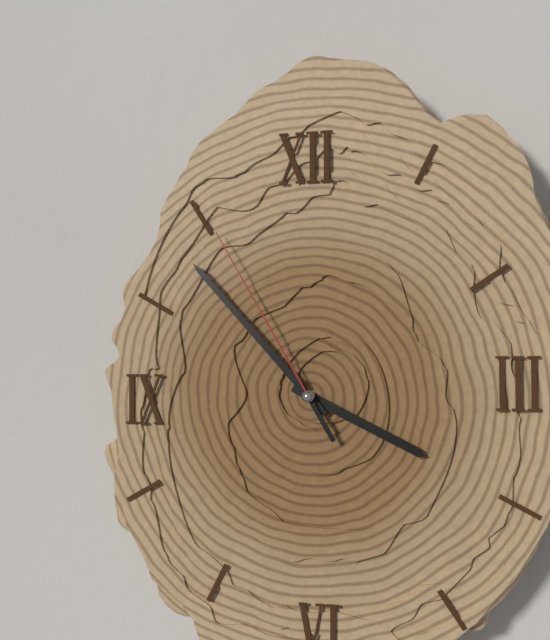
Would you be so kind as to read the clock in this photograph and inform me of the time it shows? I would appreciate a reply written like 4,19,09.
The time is 3,53,55
